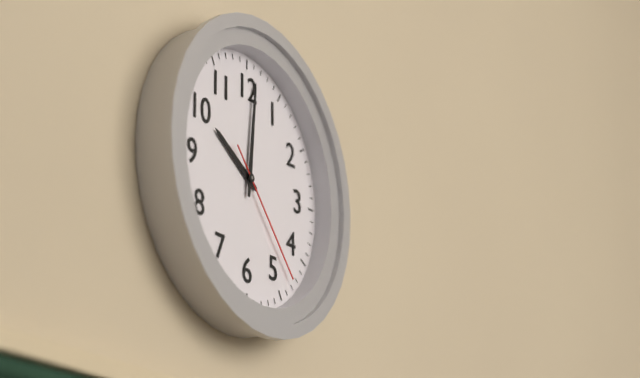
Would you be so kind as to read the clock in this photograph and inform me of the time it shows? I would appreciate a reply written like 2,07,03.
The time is 10,01,23
